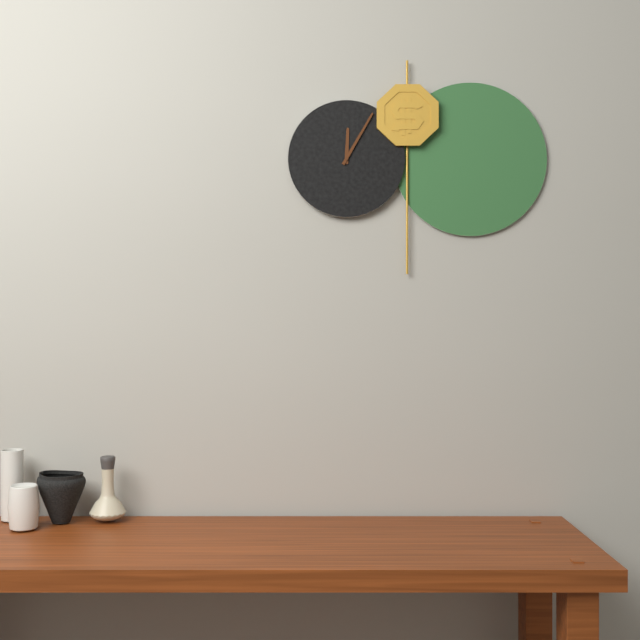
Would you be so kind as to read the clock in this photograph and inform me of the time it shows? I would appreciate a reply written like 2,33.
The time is 12,05
